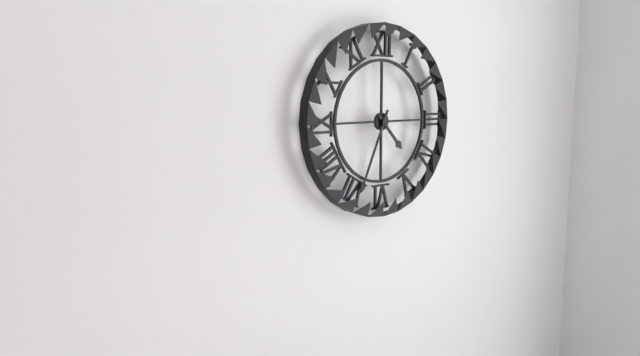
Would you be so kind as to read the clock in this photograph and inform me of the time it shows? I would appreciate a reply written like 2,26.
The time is 4,34
